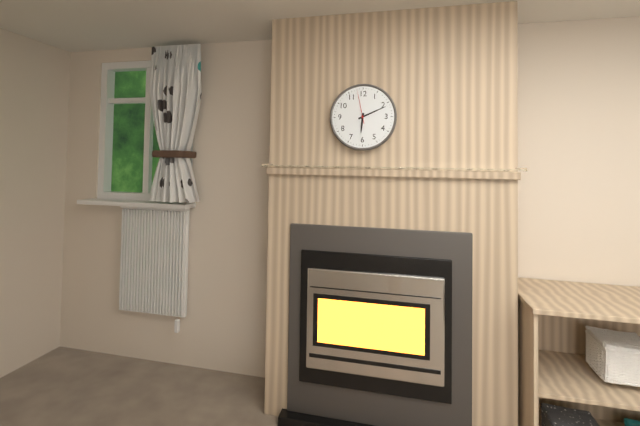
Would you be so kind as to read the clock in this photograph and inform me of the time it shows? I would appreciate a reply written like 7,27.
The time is 6,11
